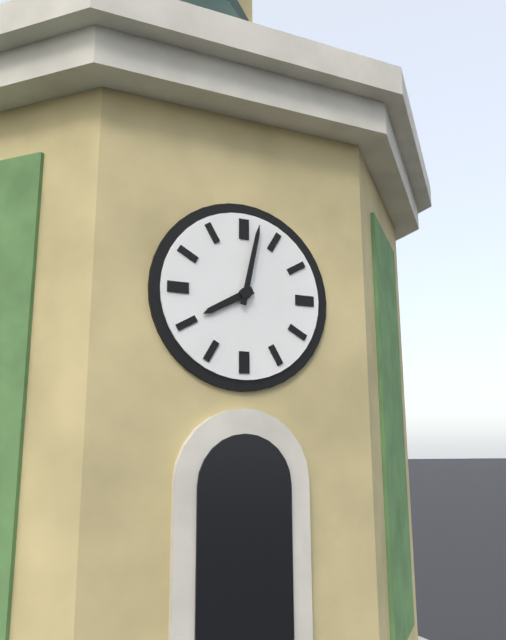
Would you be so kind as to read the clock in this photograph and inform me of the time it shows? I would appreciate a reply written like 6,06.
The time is 8,02
